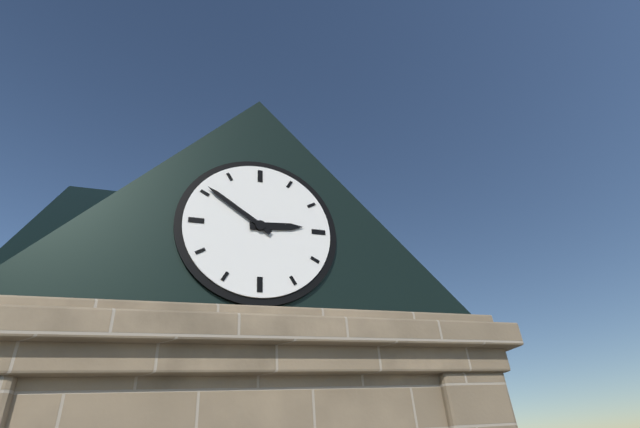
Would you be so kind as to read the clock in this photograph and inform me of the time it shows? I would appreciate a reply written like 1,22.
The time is 2,51
